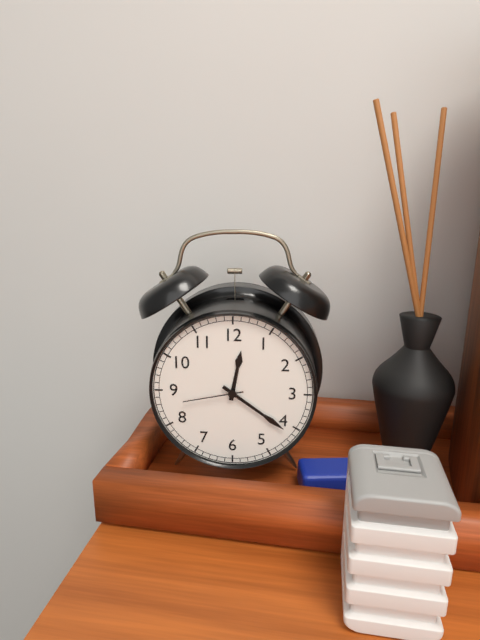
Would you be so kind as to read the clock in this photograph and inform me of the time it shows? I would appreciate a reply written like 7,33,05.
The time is 12,21,43
